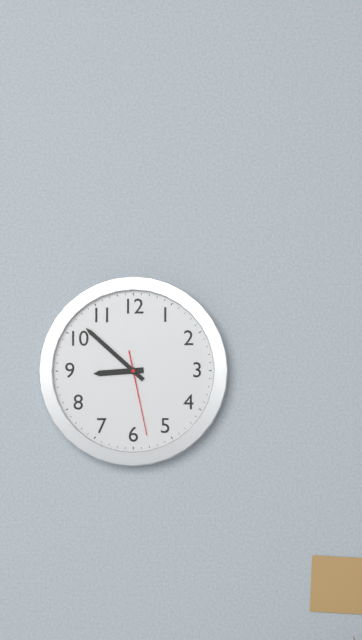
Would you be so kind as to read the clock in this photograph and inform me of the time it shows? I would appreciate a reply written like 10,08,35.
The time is 8,52,28
